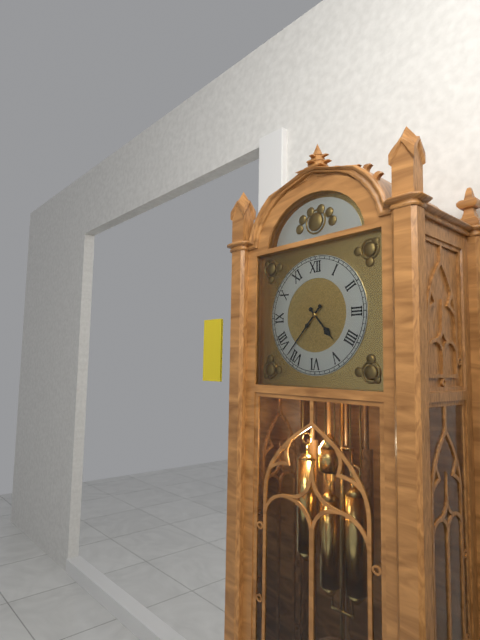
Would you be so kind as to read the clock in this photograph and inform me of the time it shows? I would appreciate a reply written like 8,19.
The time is 4,37
